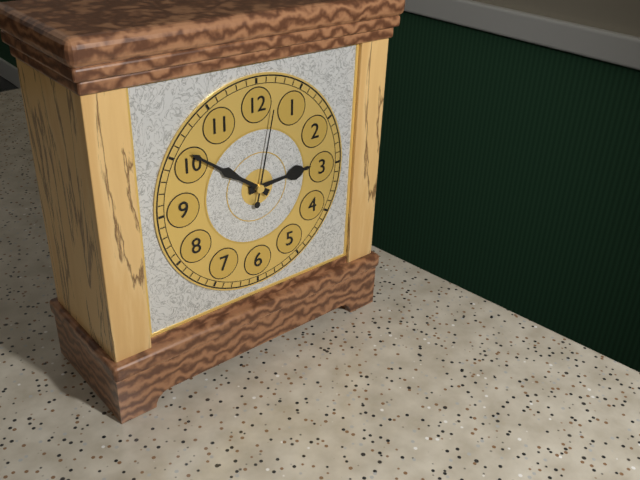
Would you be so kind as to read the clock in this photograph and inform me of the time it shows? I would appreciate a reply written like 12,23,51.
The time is 2,51,02
